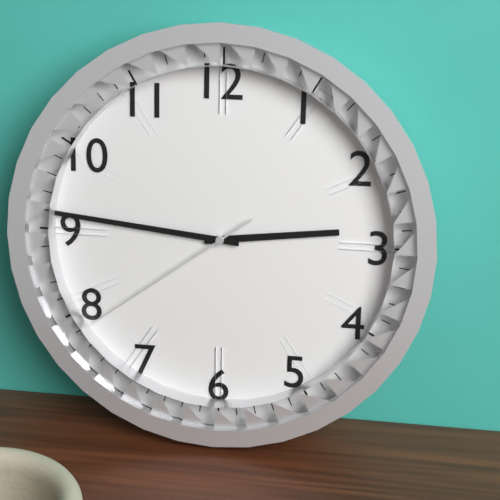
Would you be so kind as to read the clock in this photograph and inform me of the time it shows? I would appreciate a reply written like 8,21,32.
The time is 2,46,39
